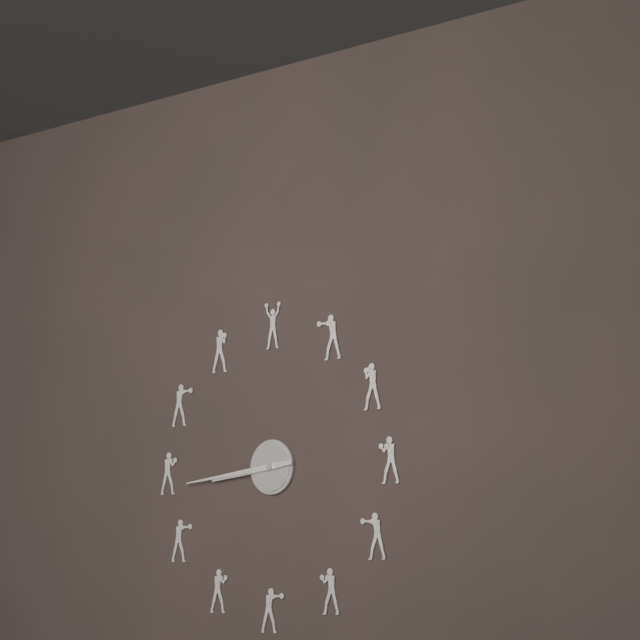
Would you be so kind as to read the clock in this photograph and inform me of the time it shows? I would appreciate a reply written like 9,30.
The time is 8,44
